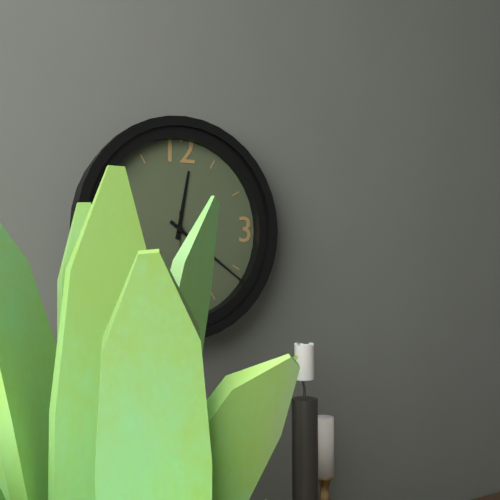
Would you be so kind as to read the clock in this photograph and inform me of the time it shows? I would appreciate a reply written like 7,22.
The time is 12,21
